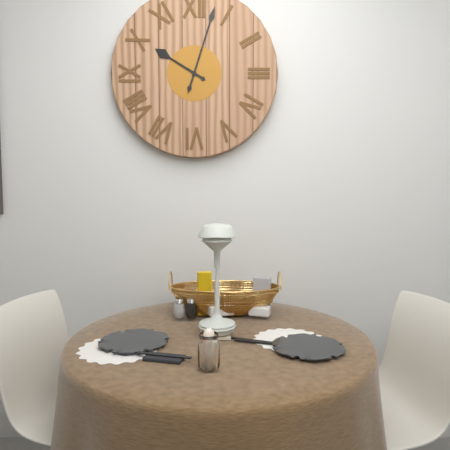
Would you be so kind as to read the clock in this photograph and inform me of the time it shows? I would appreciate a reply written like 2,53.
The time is 10,03
